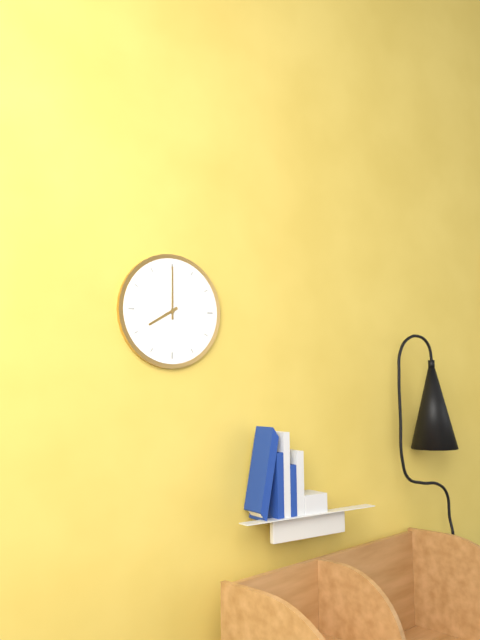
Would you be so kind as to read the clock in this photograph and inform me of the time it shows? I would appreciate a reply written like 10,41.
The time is 8,00
